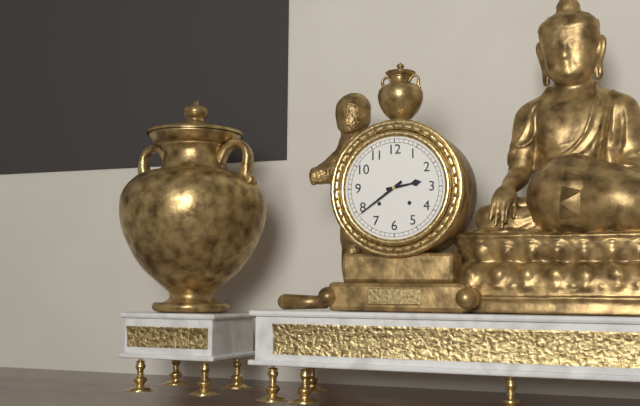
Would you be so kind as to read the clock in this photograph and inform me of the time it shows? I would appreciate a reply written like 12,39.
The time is 2,39
